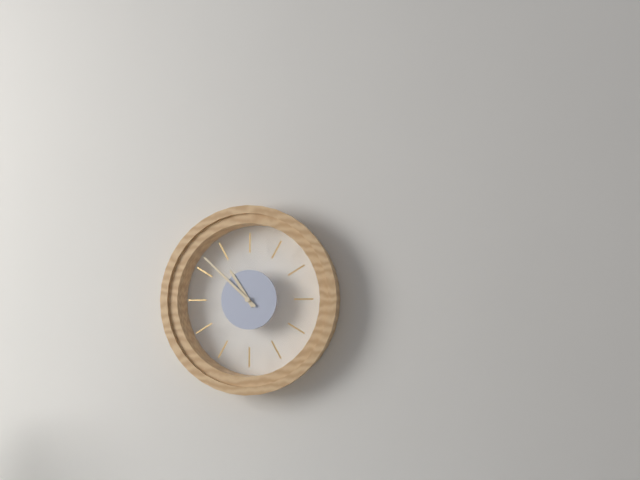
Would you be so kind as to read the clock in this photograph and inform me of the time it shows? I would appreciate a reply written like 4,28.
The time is 10,52
